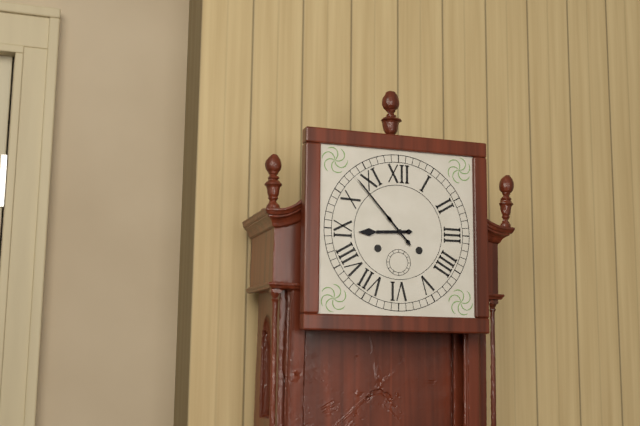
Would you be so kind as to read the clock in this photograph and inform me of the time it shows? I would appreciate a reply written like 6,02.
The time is 8,53
